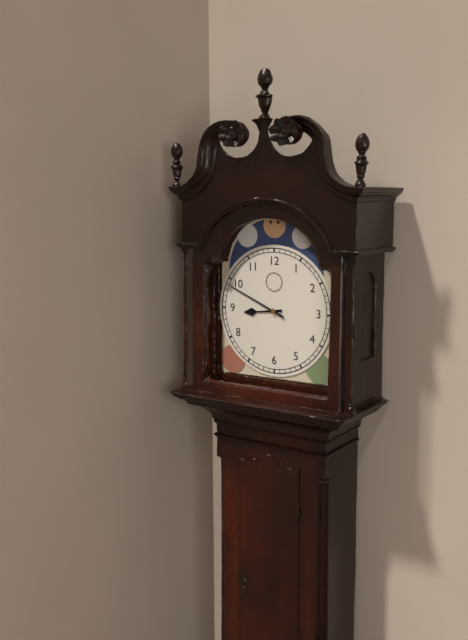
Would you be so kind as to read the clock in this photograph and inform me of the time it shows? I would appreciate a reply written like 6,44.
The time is 8,49
